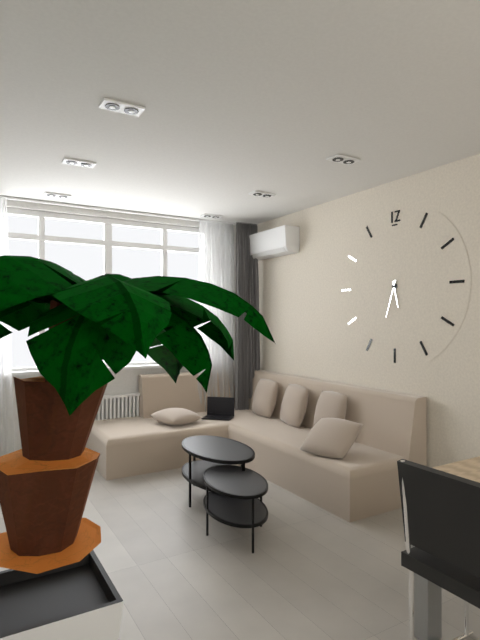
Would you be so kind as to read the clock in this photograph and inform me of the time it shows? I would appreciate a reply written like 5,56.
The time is 5,33
